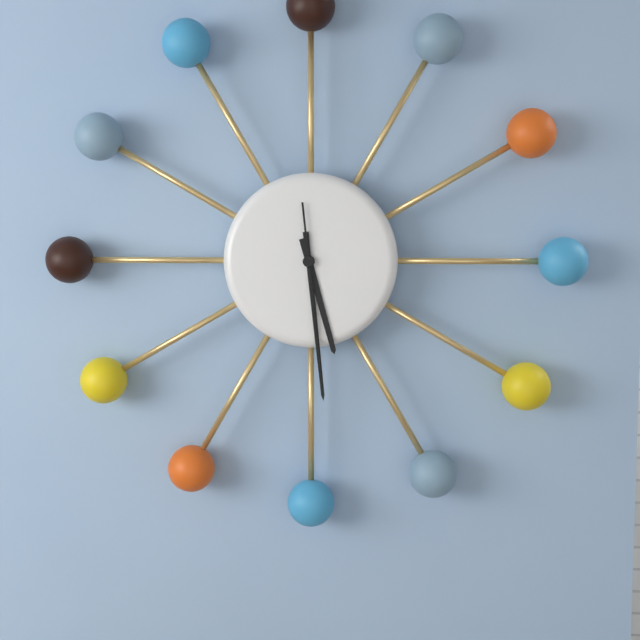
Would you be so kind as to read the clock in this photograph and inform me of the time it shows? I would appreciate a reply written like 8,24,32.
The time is 5,29,29
